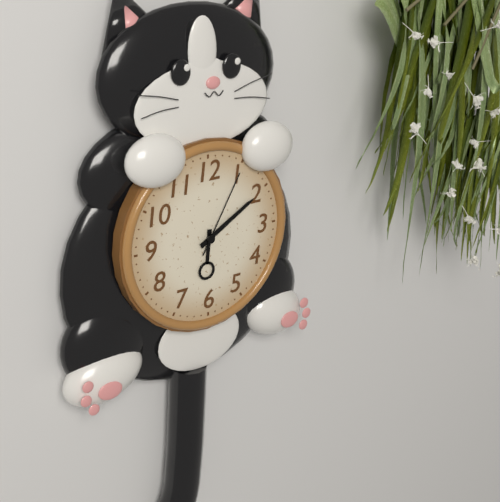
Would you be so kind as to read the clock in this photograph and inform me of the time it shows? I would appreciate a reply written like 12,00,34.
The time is 6,10,05
